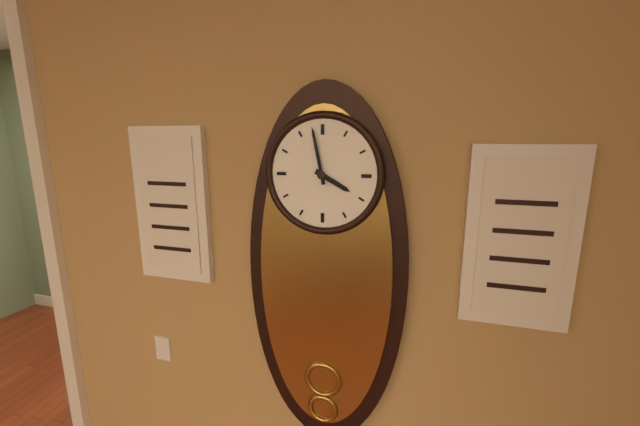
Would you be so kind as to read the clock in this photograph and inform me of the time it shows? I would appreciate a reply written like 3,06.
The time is 3,58
